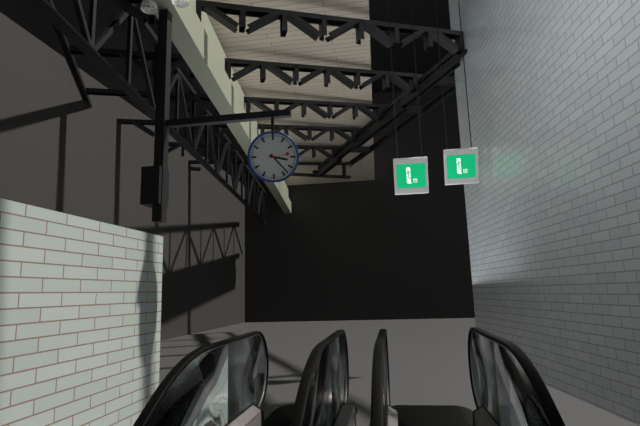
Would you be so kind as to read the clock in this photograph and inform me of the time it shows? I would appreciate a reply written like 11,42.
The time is 3,23
